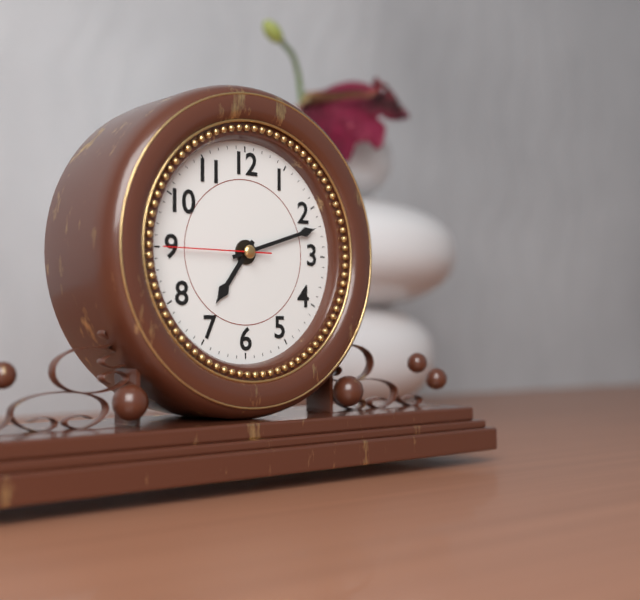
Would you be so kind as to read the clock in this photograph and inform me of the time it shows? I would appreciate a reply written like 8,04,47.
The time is 7,12,45
